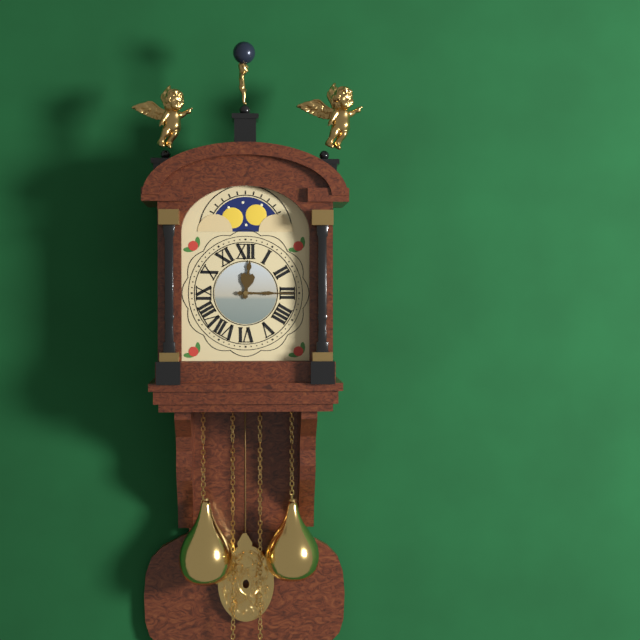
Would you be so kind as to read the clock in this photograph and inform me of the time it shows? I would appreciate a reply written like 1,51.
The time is 12,15
